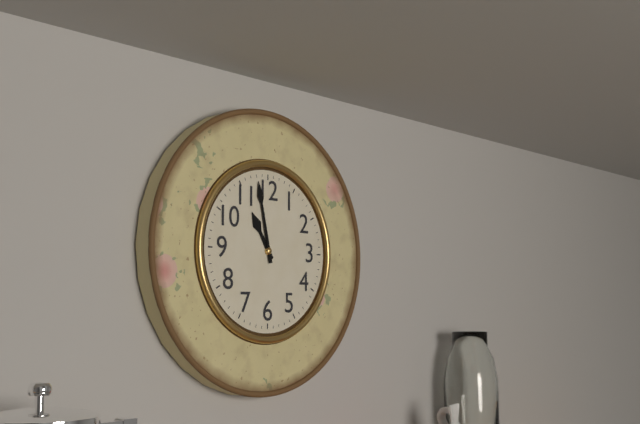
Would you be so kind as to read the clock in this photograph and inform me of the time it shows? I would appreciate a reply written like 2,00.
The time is 10,58
